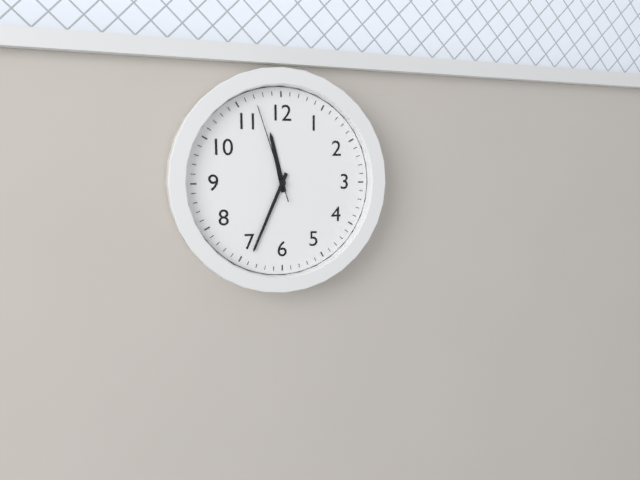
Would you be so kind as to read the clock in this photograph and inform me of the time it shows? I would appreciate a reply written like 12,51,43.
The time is 11,34,57
